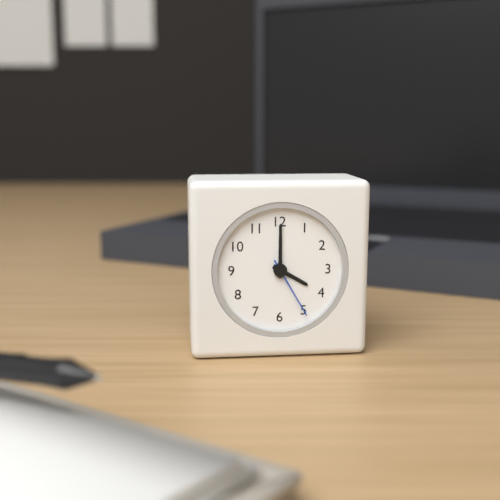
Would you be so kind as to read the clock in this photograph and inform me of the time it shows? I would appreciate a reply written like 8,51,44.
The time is 4,00,25
